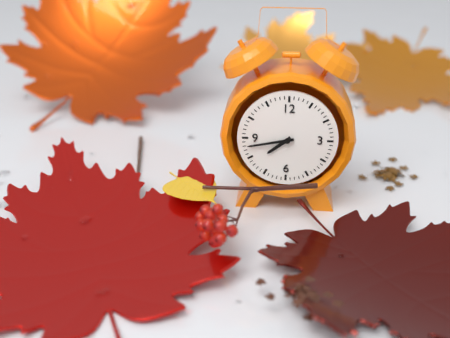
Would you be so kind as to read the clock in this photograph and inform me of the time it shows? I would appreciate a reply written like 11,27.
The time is 7,43
